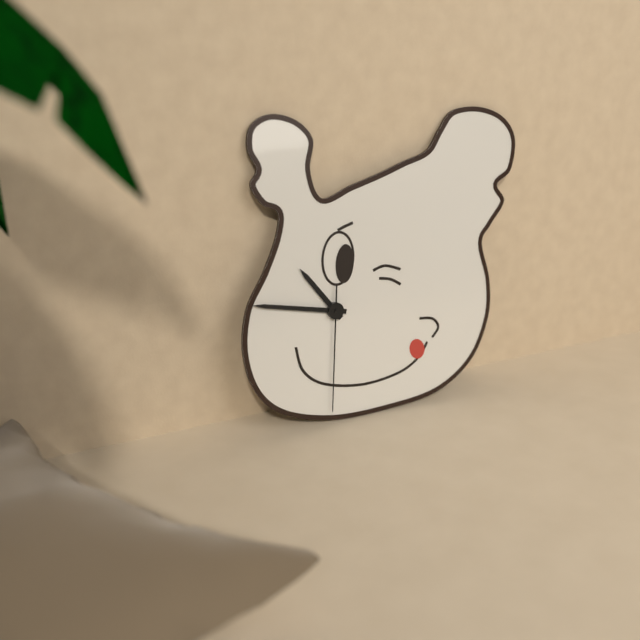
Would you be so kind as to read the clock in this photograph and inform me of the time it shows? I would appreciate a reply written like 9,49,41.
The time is 10,47,31
